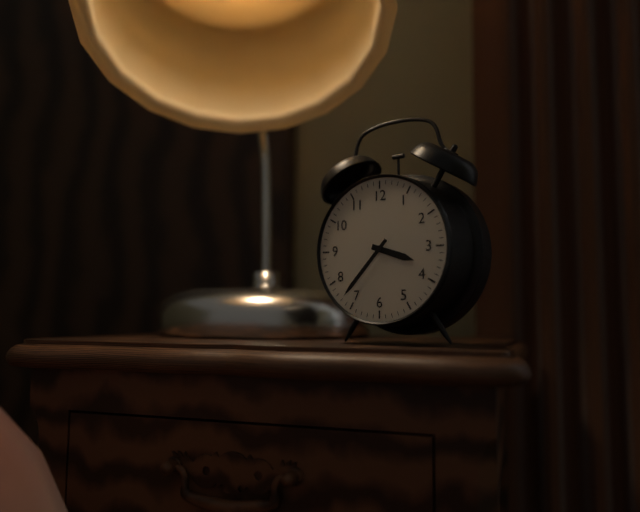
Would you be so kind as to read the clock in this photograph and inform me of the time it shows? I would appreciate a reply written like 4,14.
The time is 3,37
